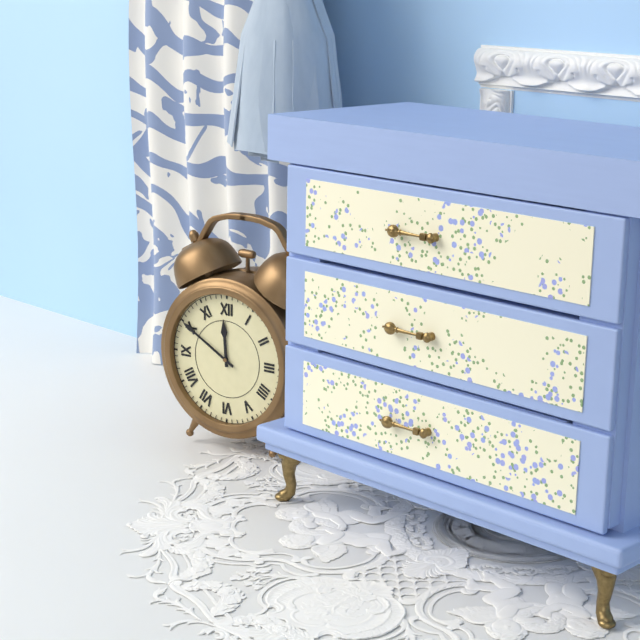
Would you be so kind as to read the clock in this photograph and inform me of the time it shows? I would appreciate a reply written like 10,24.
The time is 11,50
